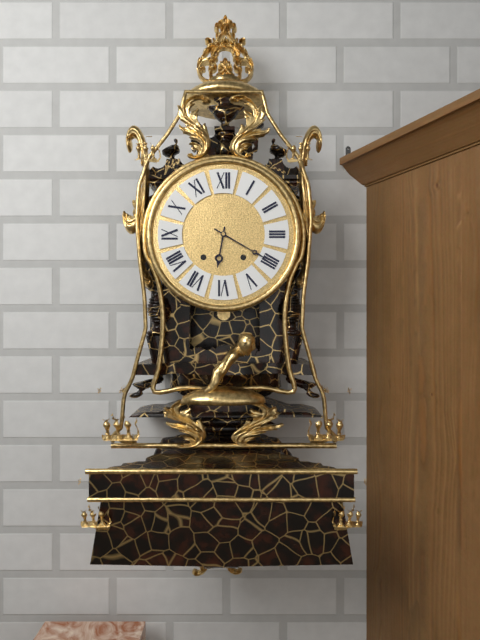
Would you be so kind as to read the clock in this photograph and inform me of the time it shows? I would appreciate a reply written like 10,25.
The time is 6,20
